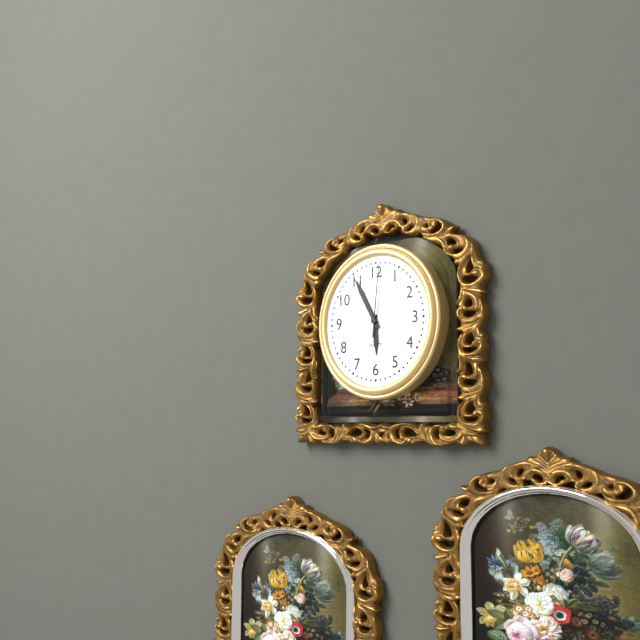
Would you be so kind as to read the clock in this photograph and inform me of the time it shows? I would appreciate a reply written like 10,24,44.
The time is 5,55,01
